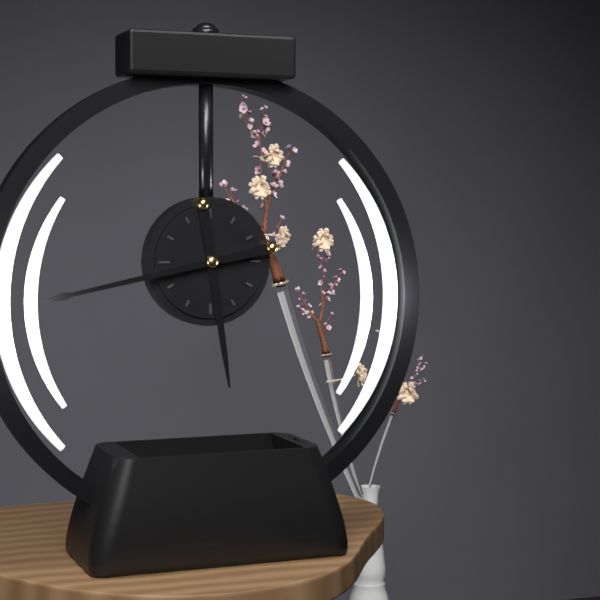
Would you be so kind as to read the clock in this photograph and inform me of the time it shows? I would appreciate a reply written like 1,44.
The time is 5,43
